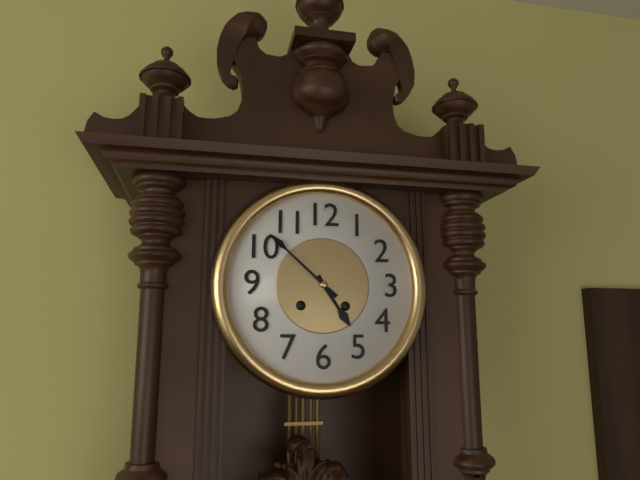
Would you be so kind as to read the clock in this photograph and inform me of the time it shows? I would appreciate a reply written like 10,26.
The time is 4,52
